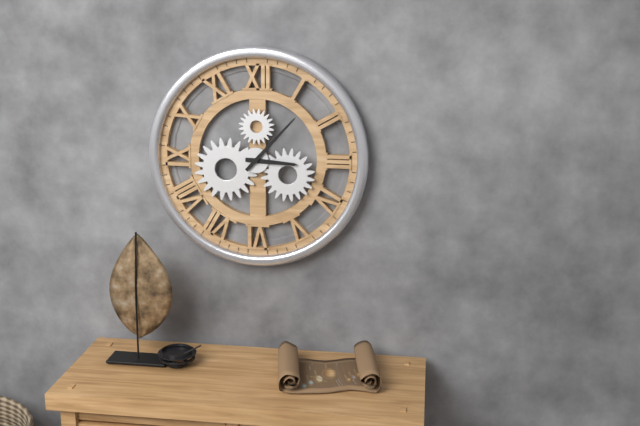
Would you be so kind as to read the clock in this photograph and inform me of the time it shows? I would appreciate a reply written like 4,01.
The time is 3,07
